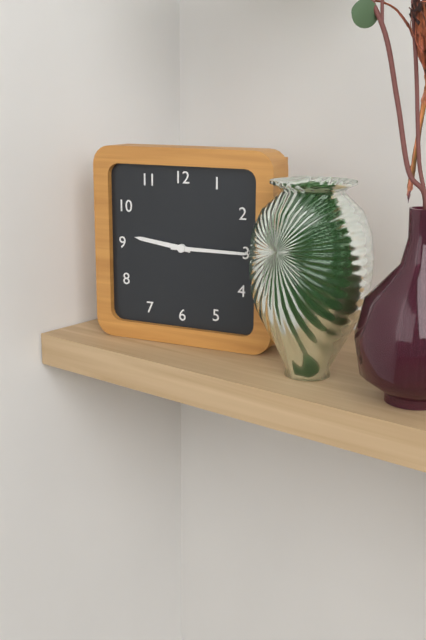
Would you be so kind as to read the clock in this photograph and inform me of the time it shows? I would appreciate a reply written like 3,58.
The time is 9,15
